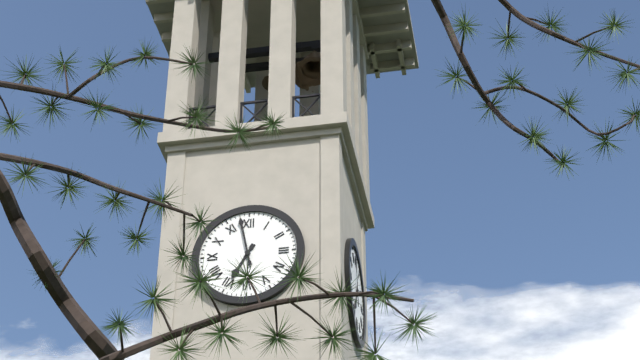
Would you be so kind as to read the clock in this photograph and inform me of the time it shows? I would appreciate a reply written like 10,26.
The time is 6,58
